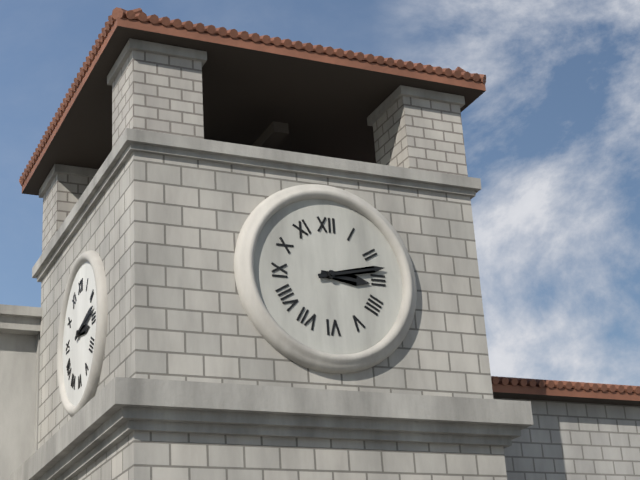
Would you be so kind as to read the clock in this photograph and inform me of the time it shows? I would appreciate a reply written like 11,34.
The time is 3,13
